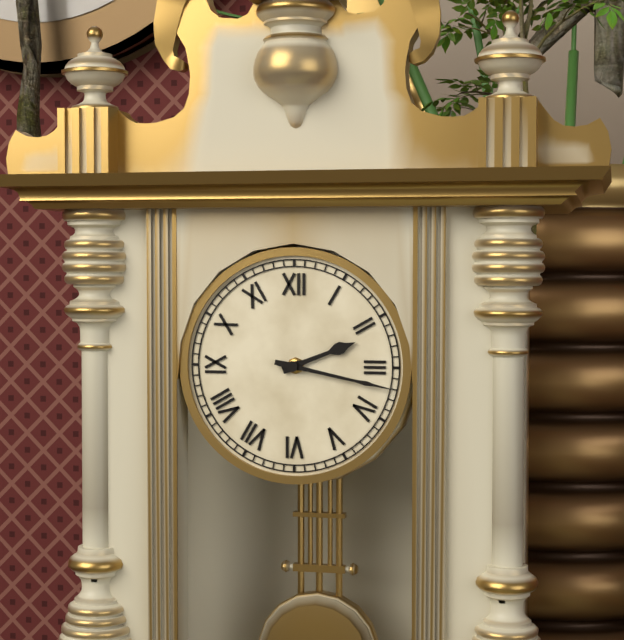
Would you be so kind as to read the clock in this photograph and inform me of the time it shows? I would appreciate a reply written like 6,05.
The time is 2,17
